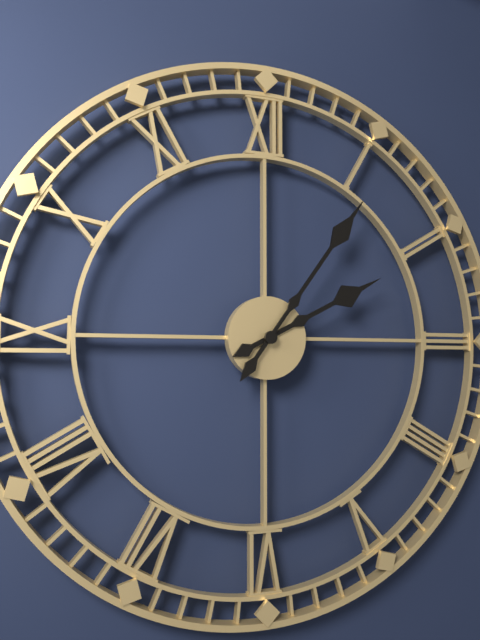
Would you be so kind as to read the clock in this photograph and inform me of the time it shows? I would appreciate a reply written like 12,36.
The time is 2,06
